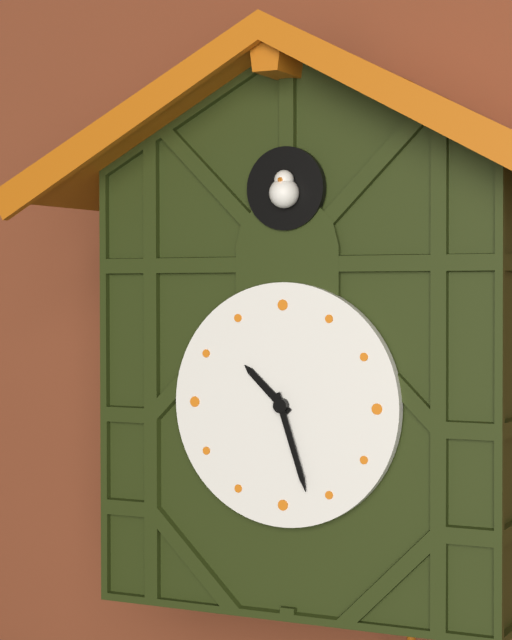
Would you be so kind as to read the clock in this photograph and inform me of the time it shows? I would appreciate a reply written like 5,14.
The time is 10,27
